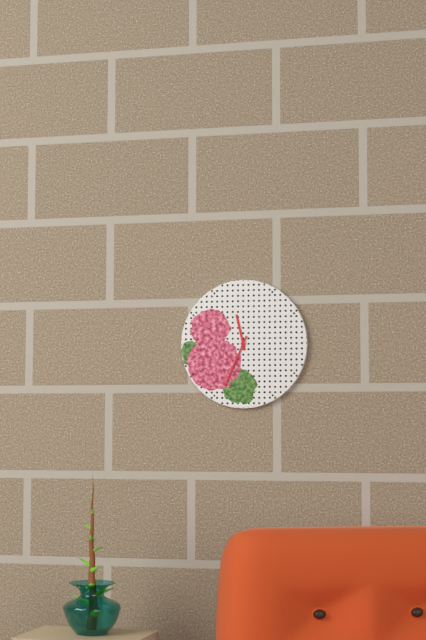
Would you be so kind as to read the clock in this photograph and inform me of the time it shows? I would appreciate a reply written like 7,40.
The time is 11,34
